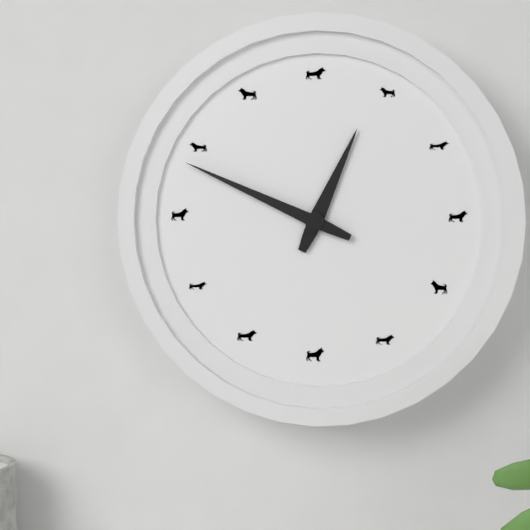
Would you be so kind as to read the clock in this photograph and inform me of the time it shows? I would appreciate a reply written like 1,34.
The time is 12,49
